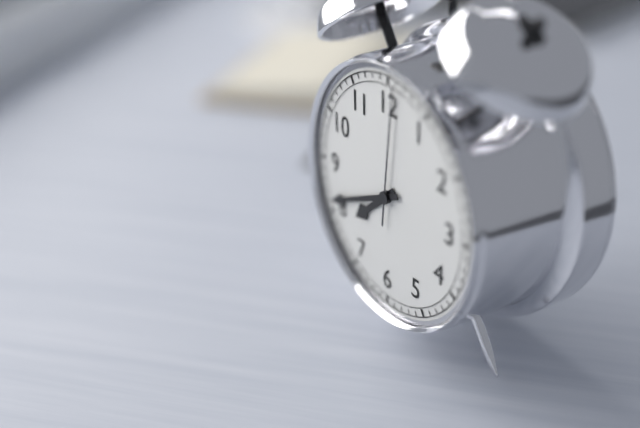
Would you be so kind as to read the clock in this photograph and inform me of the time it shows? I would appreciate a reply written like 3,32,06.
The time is 7,41,01
